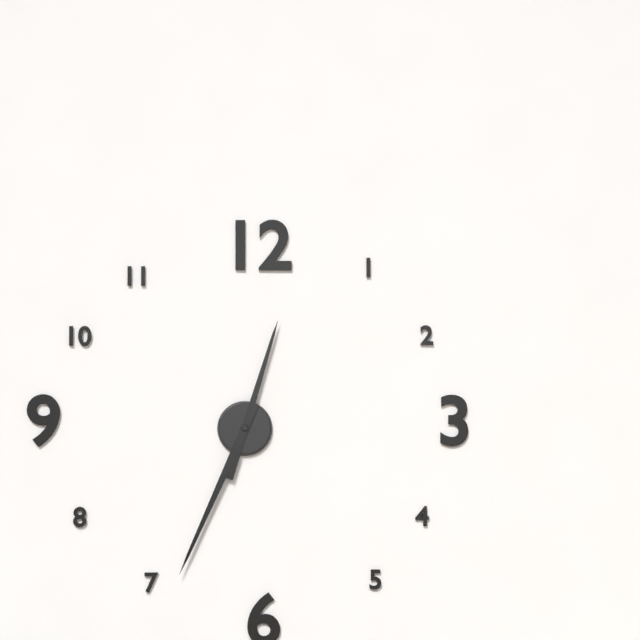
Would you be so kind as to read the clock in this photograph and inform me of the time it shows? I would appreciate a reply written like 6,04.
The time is 12,34
